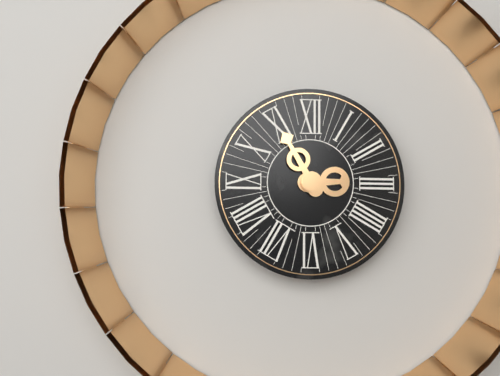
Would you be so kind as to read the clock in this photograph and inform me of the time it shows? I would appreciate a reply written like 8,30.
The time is 2,55
